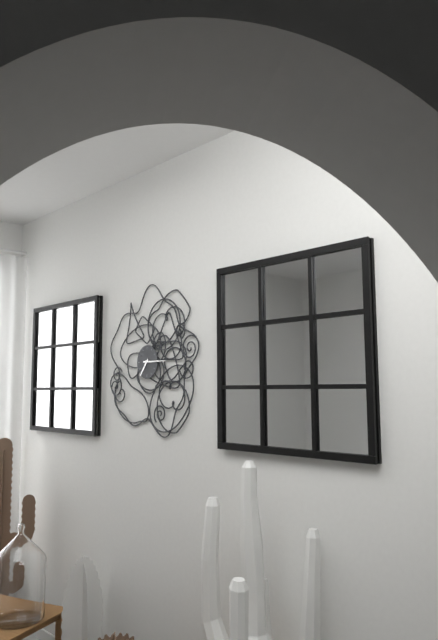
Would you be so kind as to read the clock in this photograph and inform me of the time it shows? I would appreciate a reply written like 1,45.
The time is 7,15
